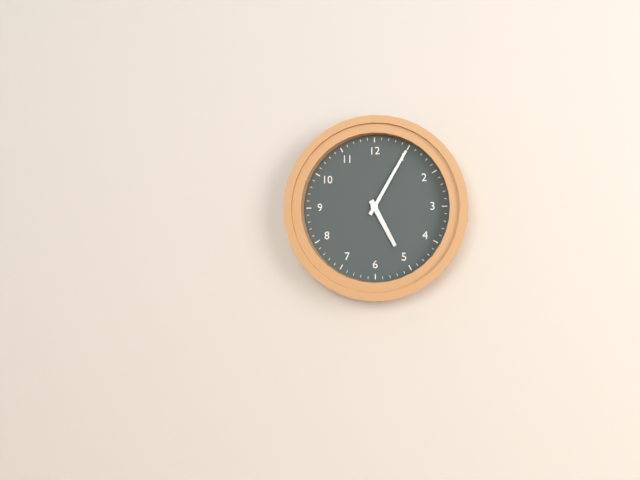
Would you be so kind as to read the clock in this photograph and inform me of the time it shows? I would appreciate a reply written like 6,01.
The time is 5,05
